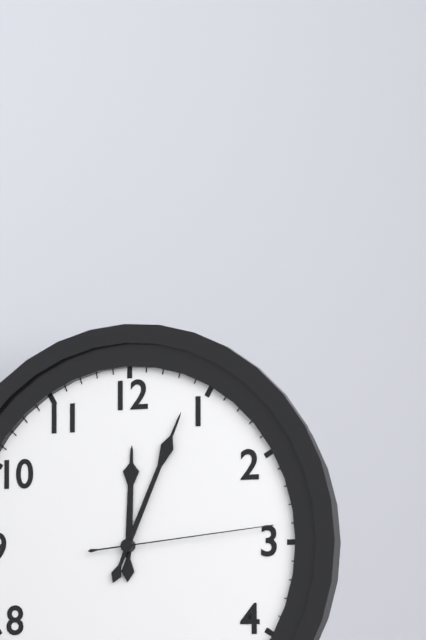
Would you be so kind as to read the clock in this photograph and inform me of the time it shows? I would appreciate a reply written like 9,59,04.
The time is 12,04,14
